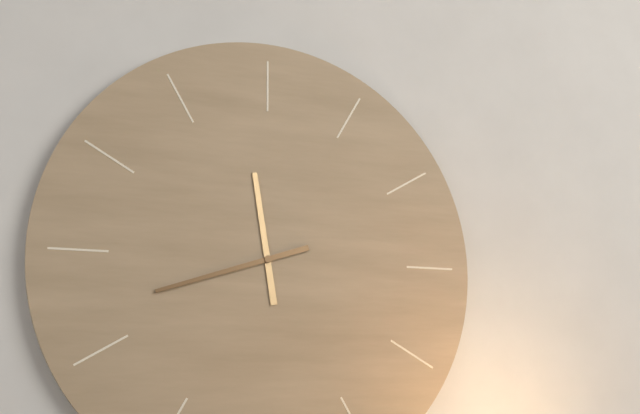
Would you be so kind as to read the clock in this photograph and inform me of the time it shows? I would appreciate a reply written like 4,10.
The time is 11,42
